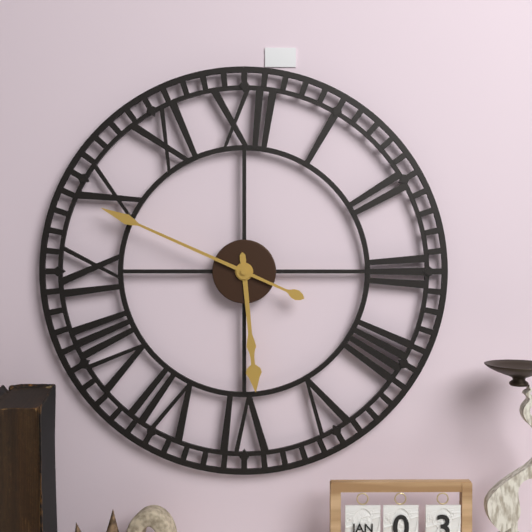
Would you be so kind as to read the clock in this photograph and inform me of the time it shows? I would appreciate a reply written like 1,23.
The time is 5,49
